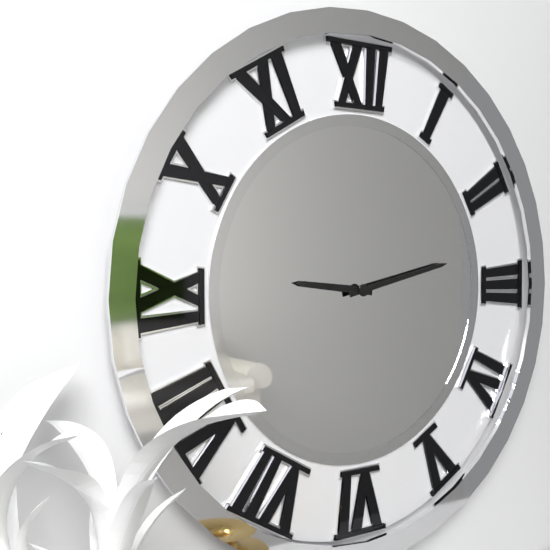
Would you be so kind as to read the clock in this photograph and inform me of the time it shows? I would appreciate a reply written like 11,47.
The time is 9,13
